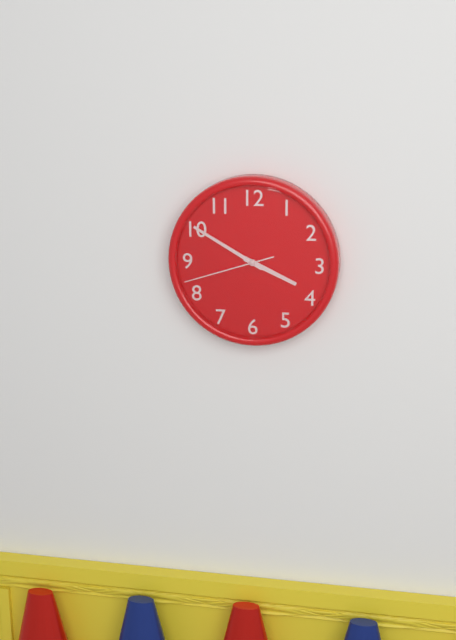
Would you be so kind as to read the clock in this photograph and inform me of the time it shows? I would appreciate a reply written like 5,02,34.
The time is 3,50,42
